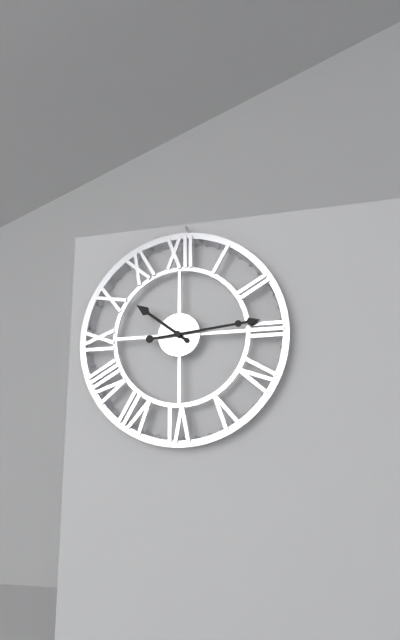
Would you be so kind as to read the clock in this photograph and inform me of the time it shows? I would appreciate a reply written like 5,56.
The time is 10,14
